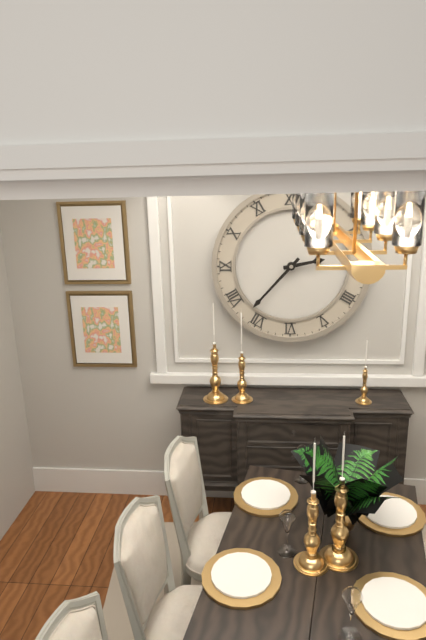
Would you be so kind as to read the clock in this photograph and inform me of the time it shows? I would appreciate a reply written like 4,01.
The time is 2,37
